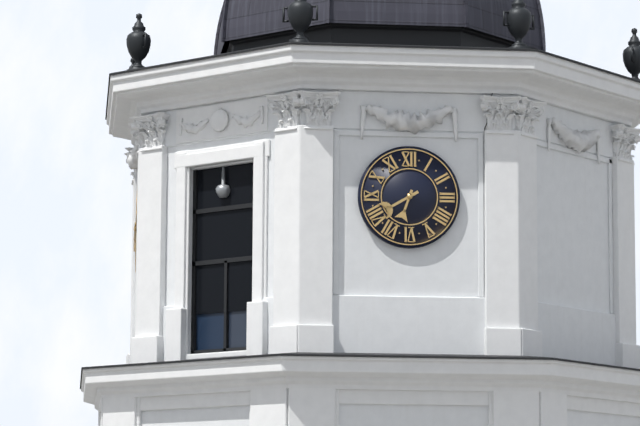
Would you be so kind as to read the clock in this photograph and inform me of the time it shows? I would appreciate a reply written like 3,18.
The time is 6,40
